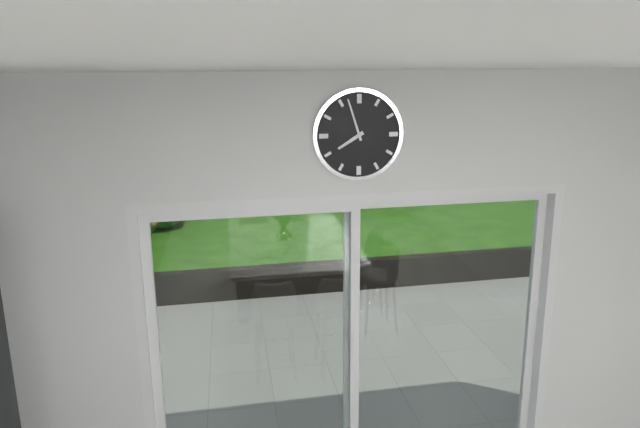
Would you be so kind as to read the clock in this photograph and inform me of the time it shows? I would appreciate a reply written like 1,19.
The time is 7,57
